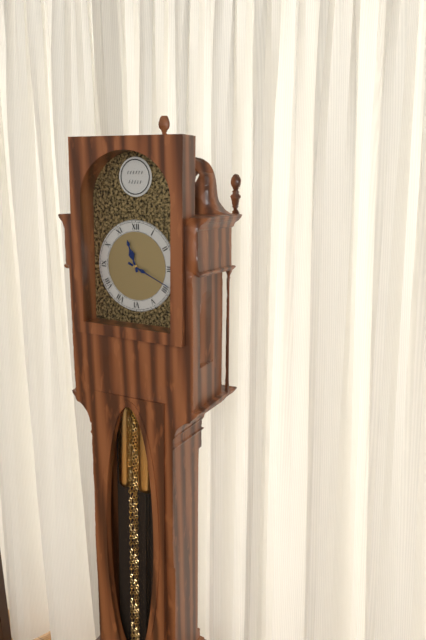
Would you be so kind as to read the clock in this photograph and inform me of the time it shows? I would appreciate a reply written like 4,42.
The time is 11,19
